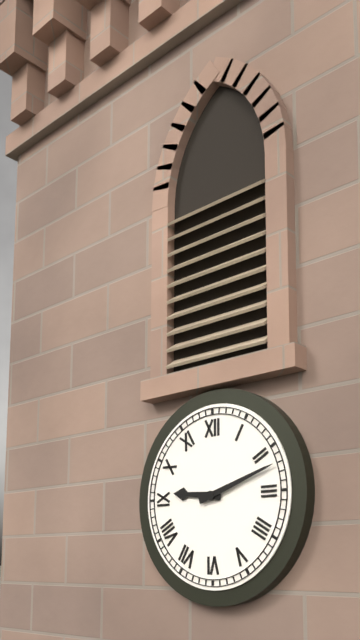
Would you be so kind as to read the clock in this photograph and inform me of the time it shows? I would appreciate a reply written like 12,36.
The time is 9,12
